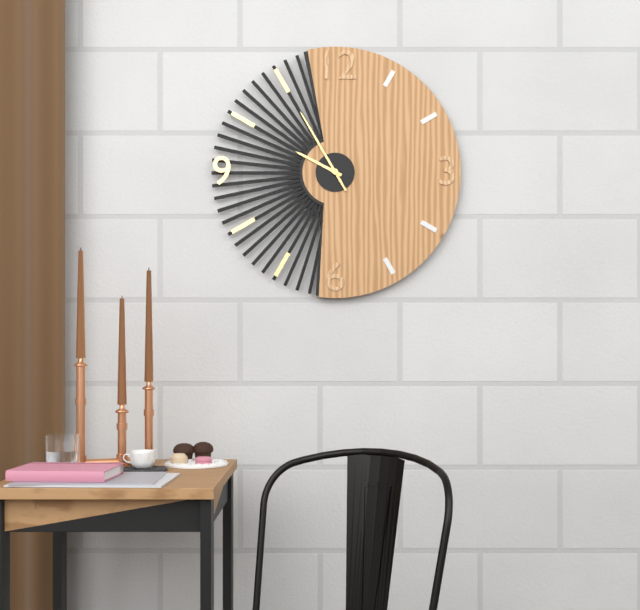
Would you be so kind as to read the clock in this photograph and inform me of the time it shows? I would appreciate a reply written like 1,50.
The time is 9,55
